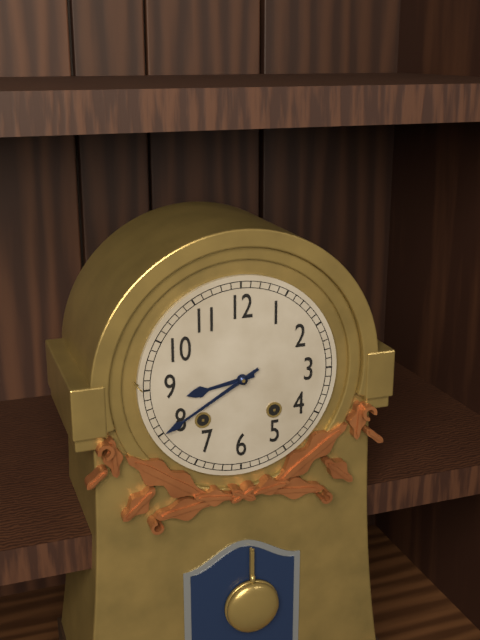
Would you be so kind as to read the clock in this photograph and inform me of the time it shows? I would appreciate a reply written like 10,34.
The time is 8,40
